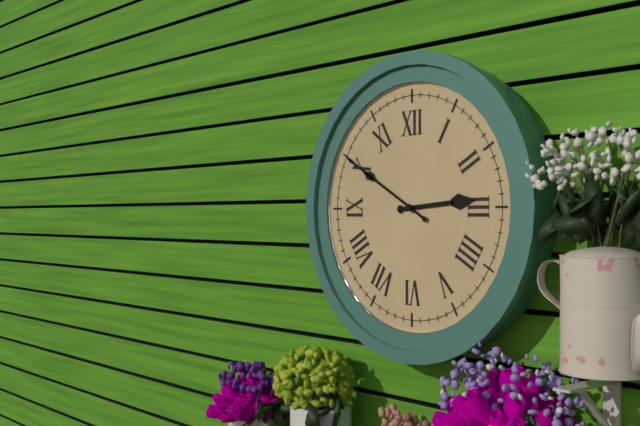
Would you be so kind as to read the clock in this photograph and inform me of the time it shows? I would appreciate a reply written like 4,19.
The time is 2,50
